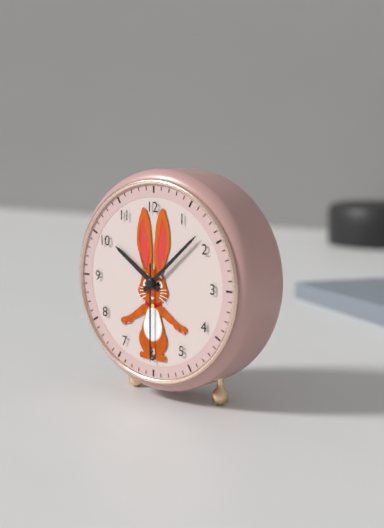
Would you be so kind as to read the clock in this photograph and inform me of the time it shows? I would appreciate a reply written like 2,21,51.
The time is 10,08,30
